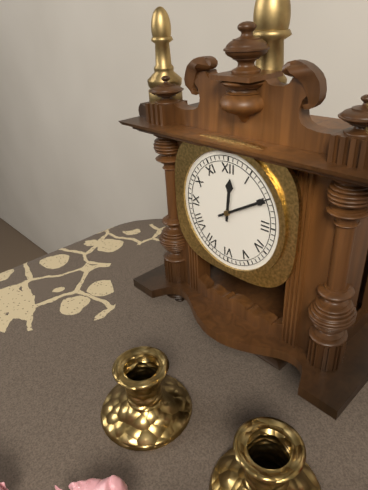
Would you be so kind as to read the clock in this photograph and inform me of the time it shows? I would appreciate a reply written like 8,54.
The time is 12,10
